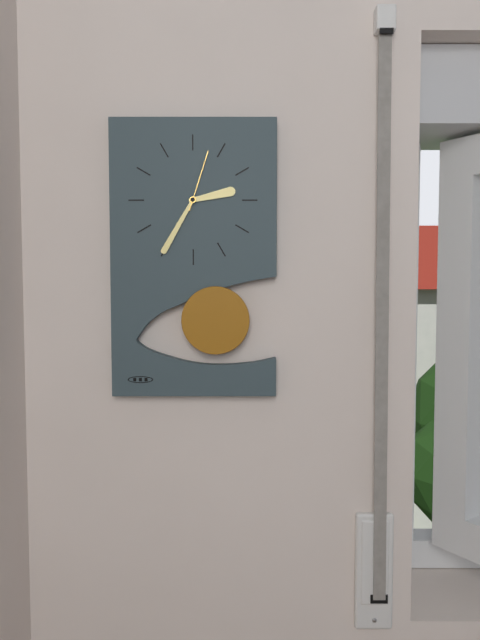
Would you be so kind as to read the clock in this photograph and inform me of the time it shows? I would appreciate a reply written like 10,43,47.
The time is 2,35,03
